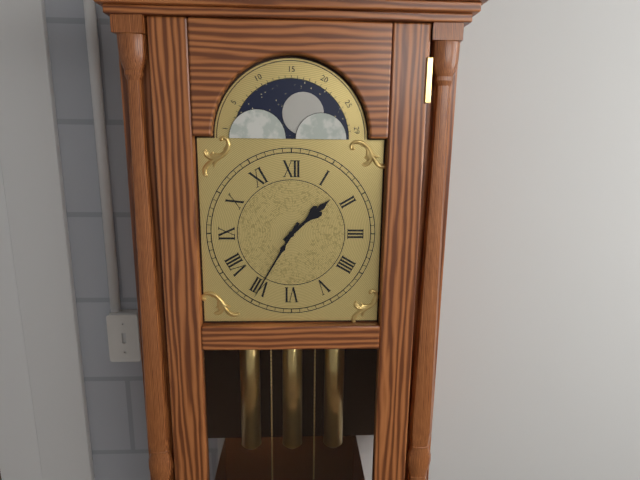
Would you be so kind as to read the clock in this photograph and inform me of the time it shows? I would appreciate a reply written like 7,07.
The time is 1,35
